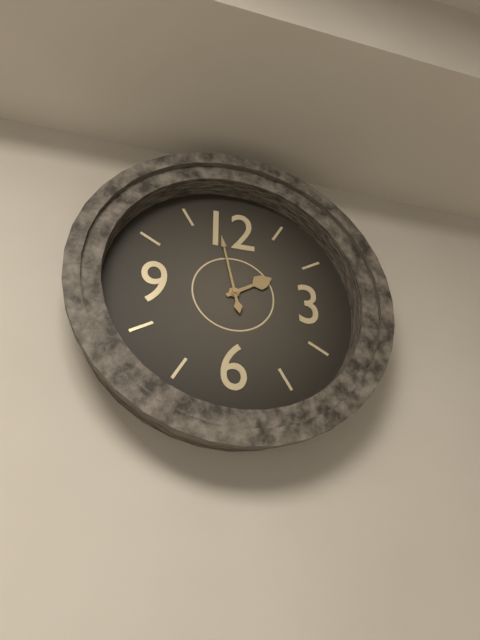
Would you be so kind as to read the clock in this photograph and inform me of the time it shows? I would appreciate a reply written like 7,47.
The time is 1,58
